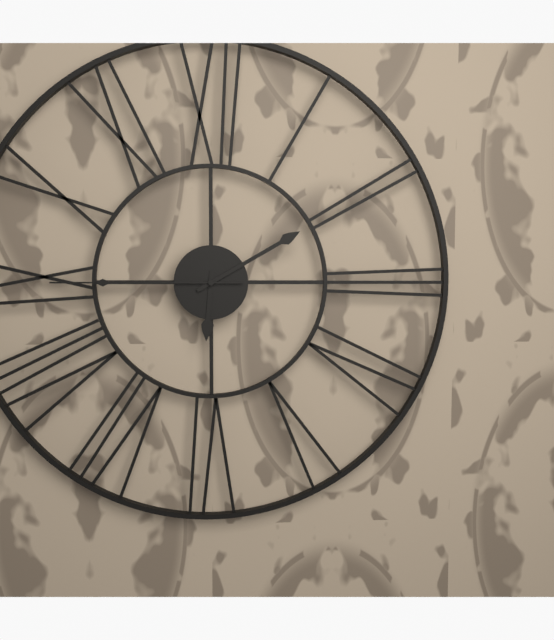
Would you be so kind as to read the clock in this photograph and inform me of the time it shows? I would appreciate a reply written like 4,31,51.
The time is 6,10,45
